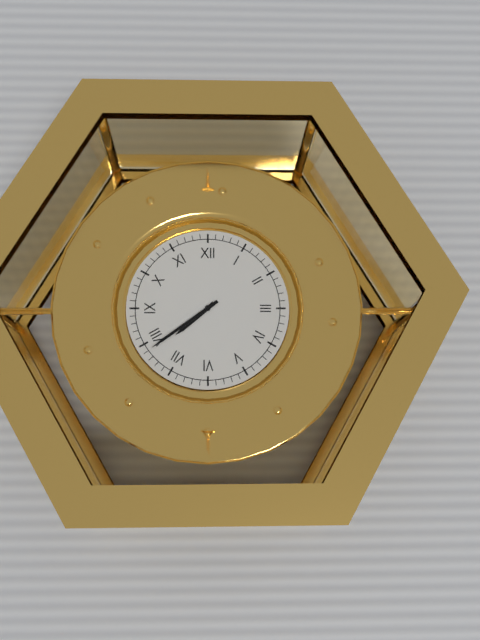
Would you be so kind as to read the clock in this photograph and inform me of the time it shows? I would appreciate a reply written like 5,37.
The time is 7,39
